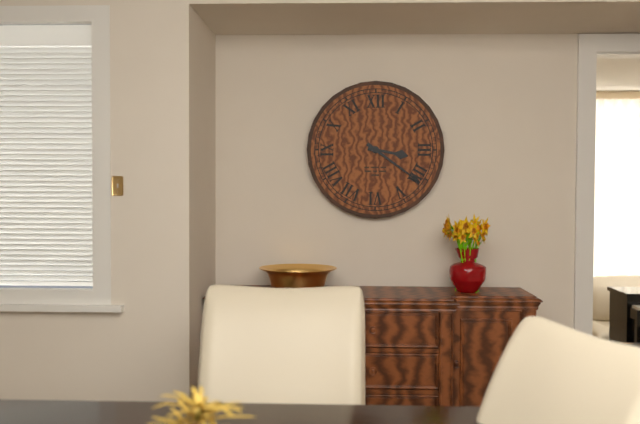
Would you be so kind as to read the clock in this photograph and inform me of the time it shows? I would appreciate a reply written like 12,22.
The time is 3,21
